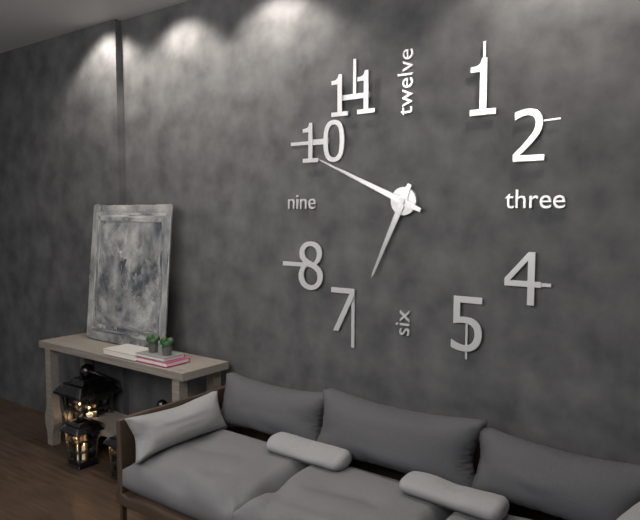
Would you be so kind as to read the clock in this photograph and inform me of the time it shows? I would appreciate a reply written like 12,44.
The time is 6,49
